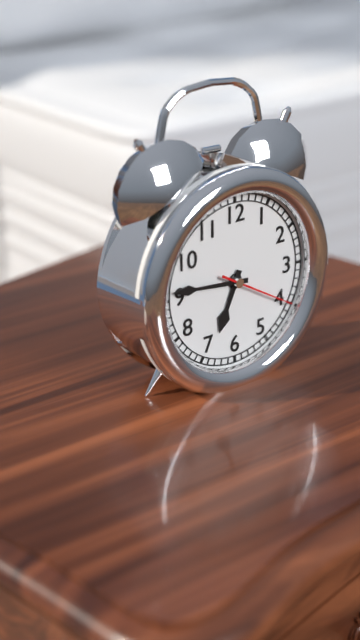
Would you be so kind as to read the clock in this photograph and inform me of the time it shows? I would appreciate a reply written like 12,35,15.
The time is 6,46,20
